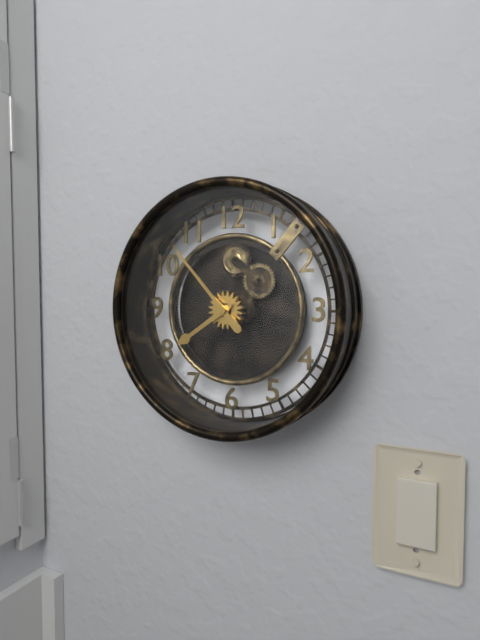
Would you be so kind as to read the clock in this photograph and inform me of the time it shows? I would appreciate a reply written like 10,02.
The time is 7,53
